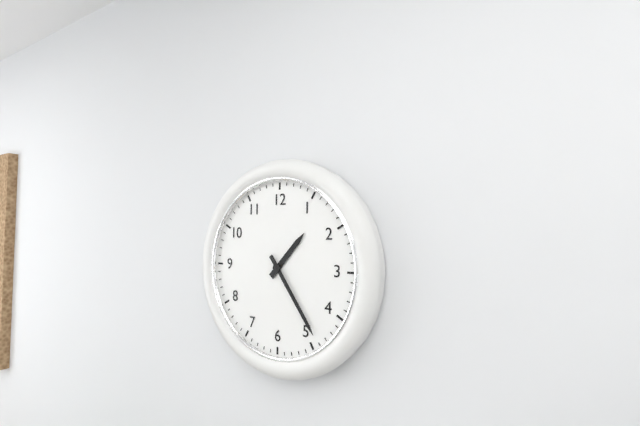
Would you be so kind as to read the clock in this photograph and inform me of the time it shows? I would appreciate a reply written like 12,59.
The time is 1,24
